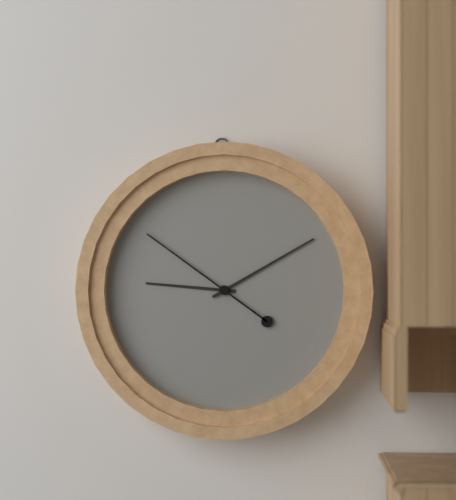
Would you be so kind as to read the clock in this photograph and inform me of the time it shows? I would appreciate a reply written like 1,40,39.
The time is 9,10,51
